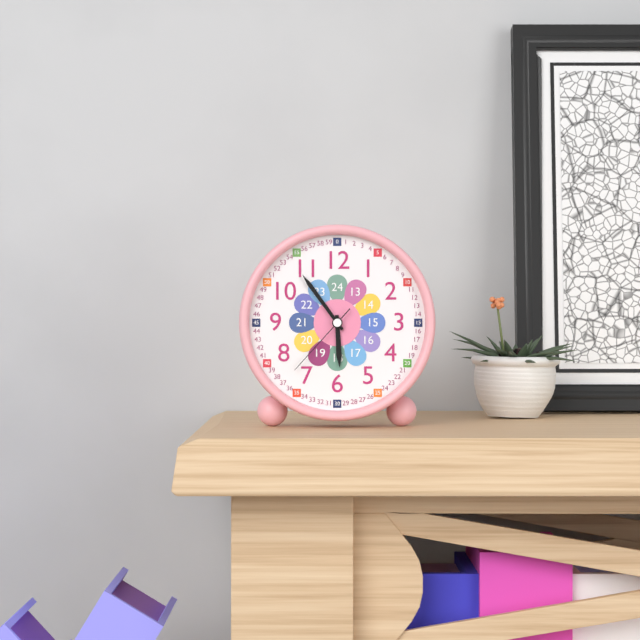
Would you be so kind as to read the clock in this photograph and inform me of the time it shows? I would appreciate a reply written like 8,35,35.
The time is 5,54,37
